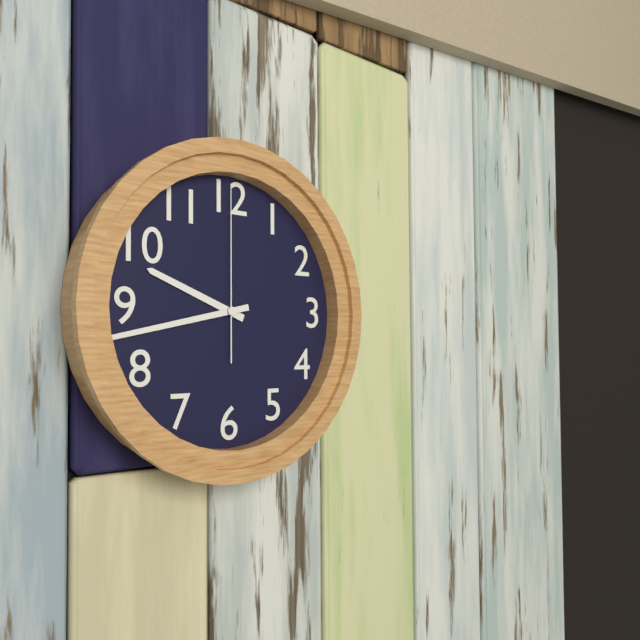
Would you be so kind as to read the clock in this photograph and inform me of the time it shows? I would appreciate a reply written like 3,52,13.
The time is 9,43,00
